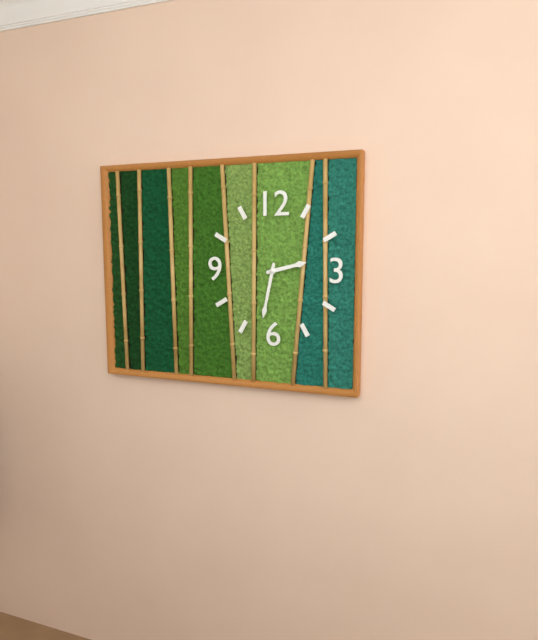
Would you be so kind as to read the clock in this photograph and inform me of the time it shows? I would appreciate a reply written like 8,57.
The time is 2,32
